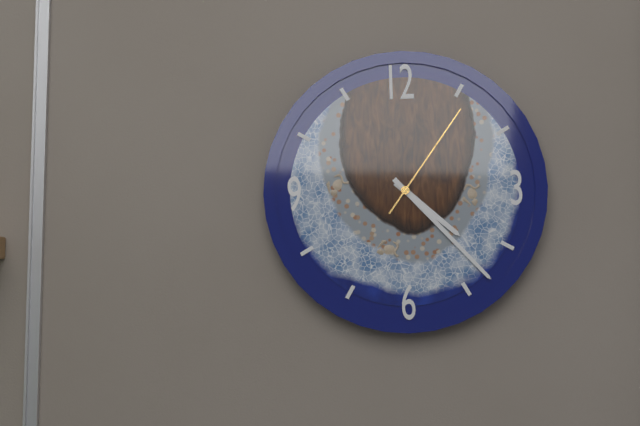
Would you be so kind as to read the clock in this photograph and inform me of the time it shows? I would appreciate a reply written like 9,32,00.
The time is 4,23,06
